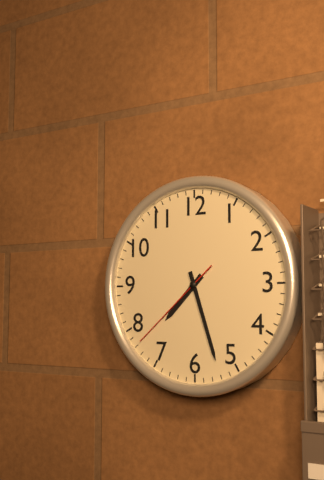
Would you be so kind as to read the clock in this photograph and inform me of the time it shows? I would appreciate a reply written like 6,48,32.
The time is 7,27,38
